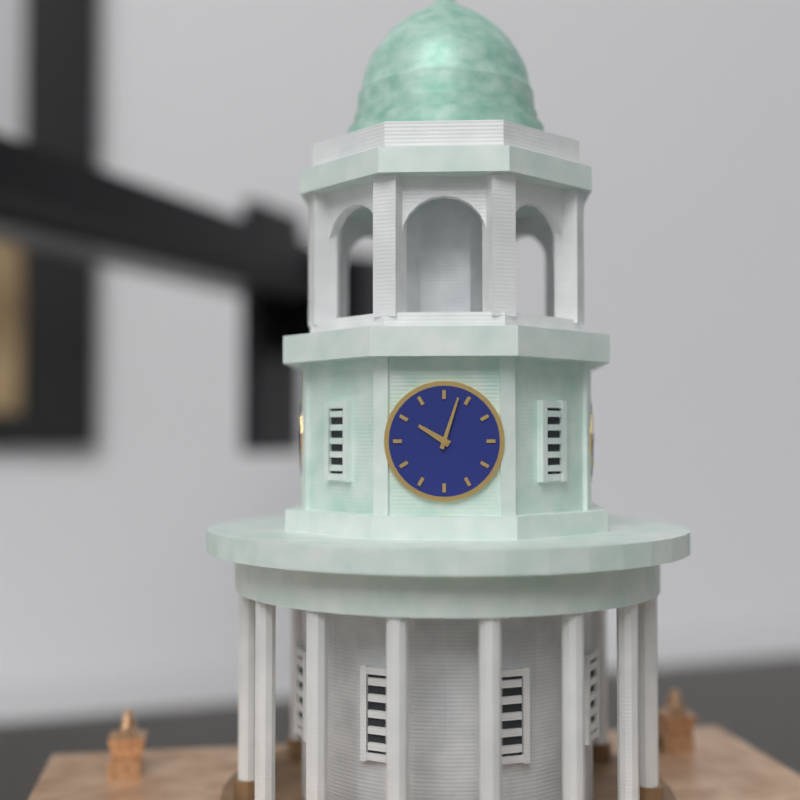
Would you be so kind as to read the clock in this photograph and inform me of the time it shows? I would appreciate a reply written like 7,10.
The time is 10,03
